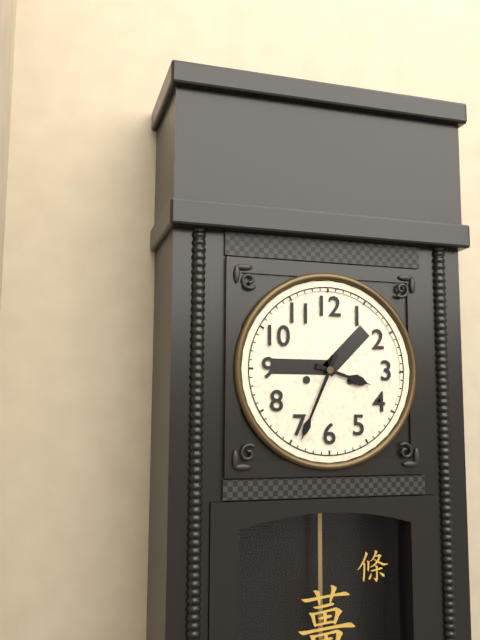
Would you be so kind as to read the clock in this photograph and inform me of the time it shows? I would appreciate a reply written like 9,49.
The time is 3,34
